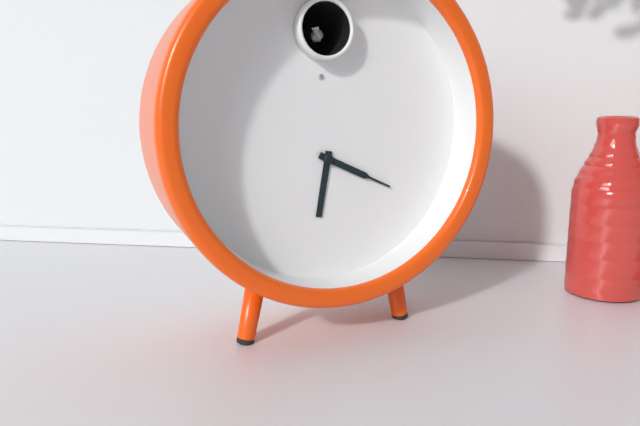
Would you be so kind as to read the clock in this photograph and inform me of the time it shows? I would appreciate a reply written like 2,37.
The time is 6,19
